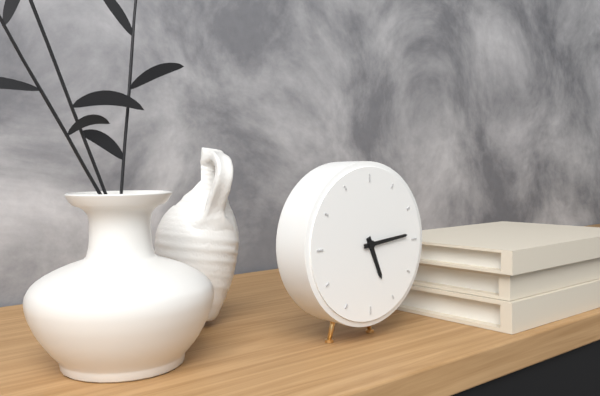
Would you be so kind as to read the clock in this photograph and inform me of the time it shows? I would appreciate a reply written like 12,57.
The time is 5,14
